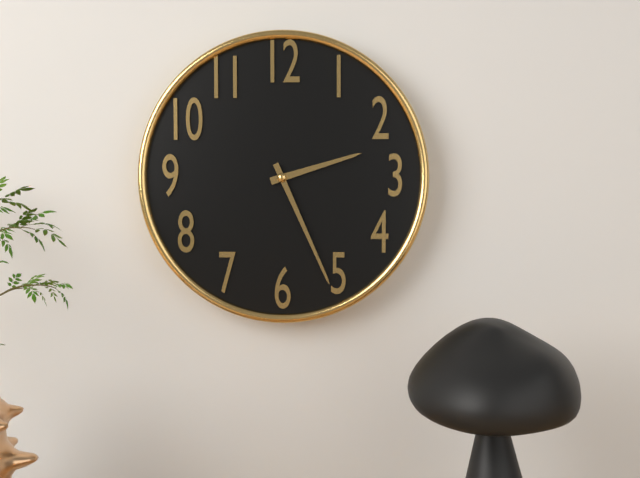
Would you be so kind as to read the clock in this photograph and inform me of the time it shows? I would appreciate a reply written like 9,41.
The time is 2,26
